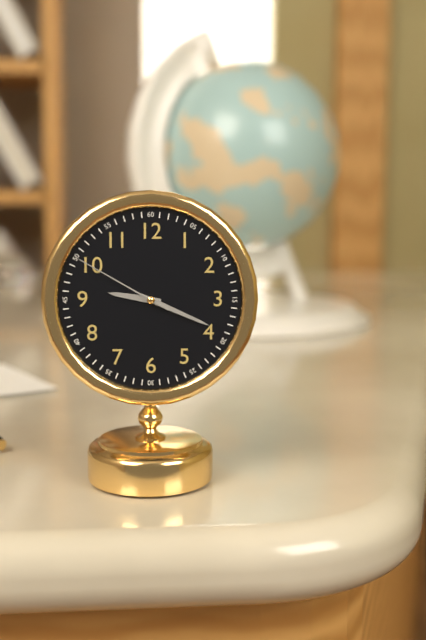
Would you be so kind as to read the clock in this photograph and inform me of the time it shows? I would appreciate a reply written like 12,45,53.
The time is 9,19,50
